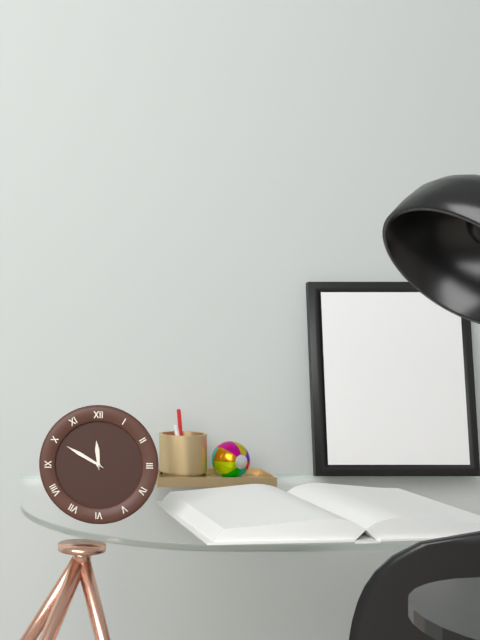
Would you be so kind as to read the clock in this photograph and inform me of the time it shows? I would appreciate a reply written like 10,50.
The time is 11,50
